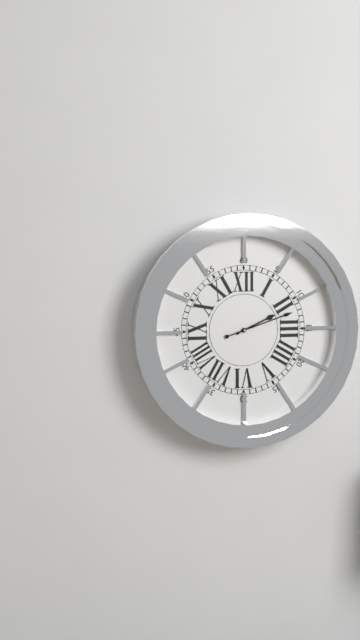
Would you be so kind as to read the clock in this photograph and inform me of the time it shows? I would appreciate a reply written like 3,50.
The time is 2,12
